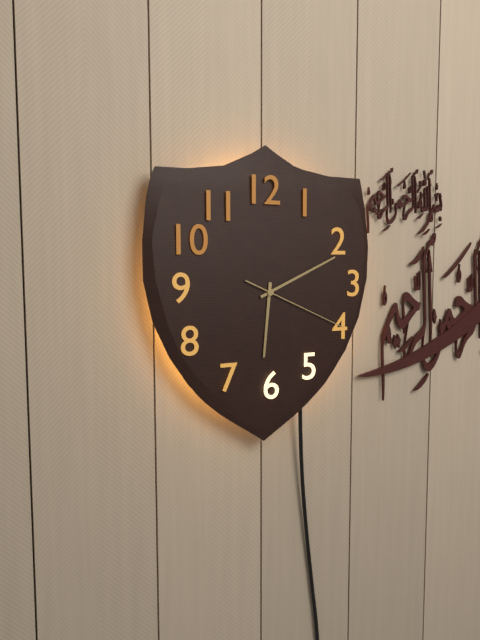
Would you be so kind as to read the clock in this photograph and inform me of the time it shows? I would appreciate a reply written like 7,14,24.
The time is 6,11,19
